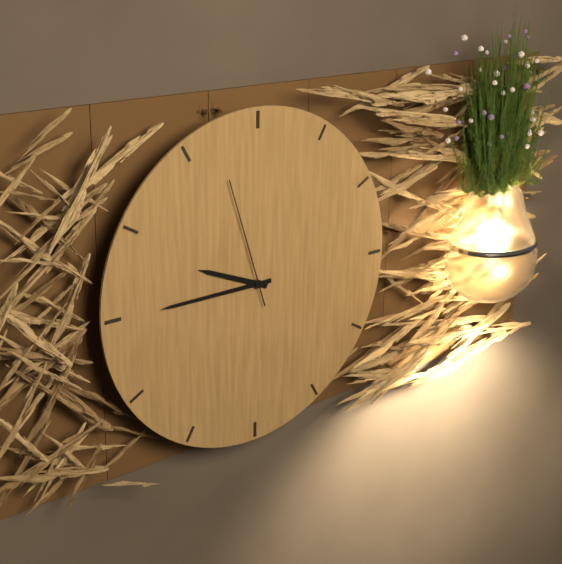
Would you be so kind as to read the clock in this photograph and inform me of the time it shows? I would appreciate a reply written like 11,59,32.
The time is 9,45,57
